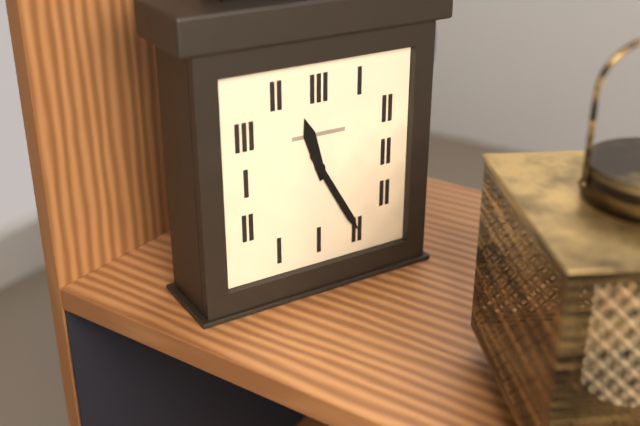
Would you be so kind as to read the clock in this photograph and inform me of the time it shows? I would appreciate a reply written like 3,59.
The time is 11,25
